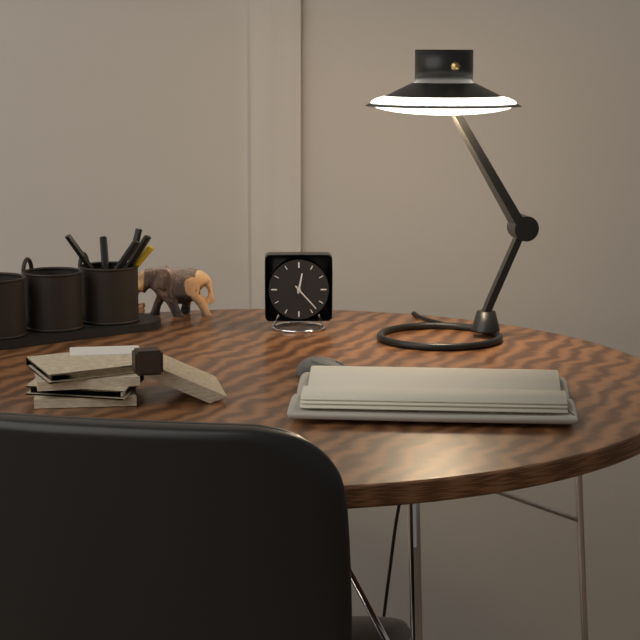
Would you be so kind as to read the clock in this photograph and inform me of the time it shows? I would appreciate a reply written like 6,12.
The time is 12,23
